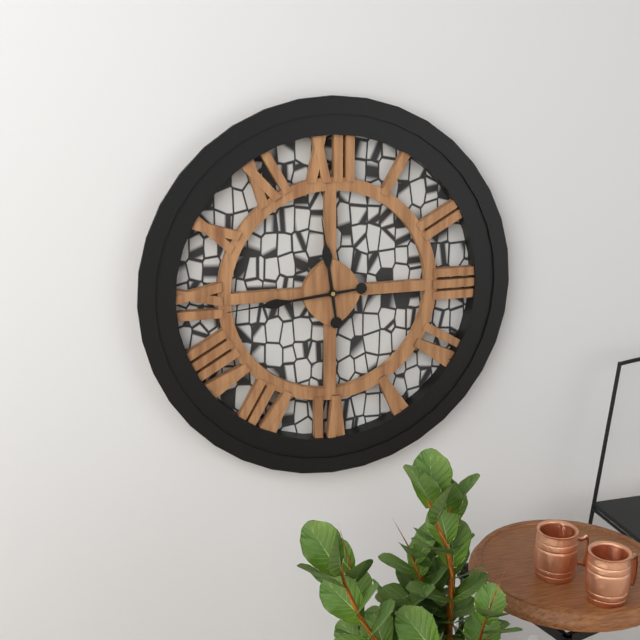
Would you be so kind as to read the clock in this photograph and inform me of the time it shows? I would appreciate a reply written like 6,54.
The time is 11,44
